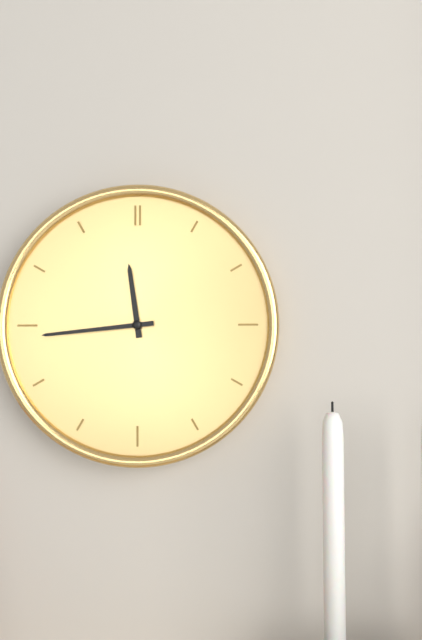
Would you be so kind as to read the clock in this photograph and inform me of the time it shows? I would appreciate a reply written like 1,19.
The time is 11,44
